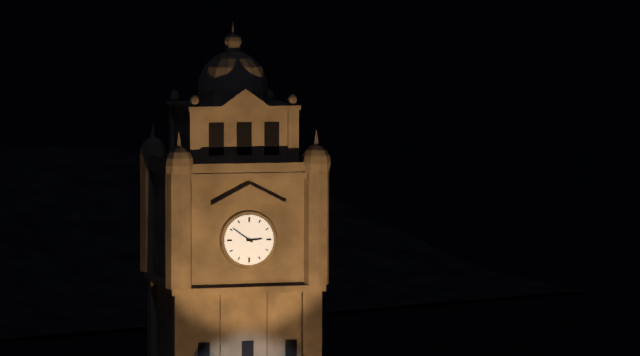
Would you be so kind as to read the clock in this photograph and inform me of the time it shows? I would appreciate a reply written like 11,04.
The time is 2,51
